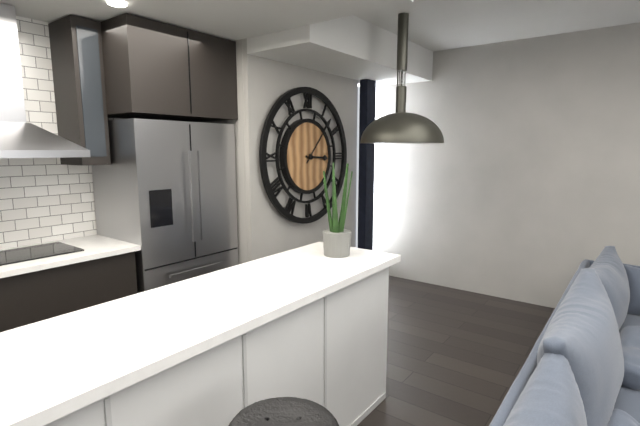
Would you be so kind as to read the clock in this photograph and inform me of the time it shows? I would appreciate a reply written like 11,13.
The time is 3,07
